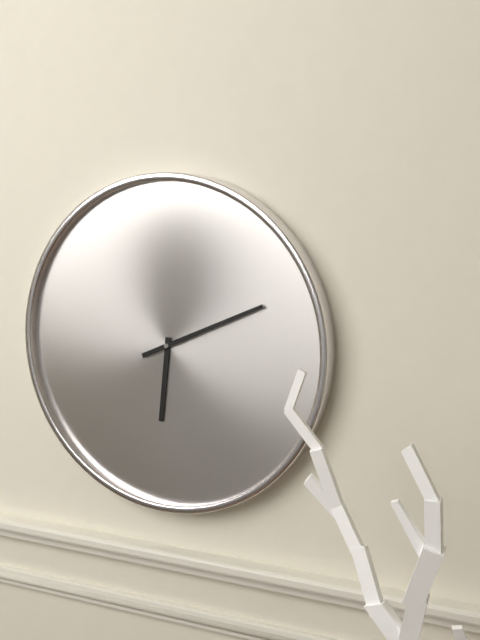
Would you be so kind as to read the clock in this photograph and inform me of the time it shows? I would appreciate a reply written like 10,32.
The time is 6,11
